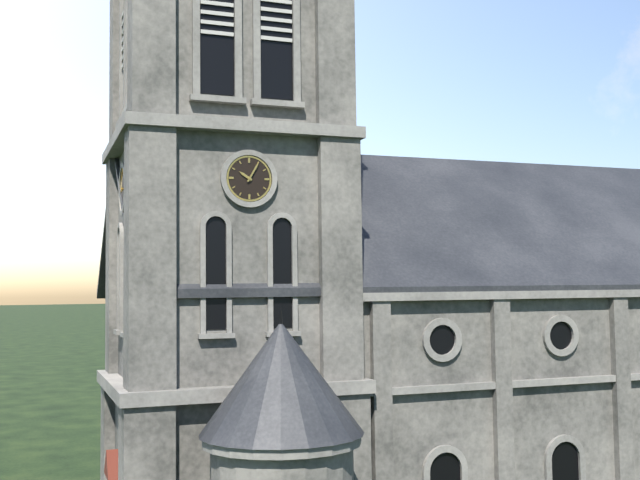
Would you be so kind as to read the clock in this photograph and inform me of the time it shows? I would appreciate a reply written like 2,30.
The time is 10,05
